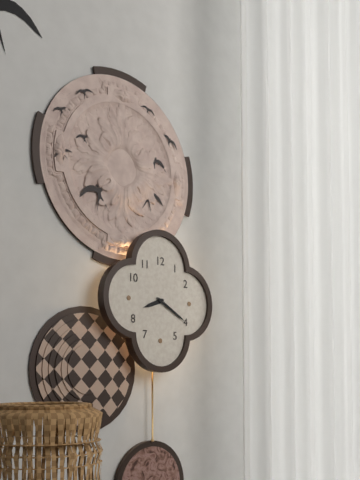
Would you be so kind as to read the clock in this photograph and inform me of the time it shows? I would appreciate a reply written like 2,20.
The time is 8,20
